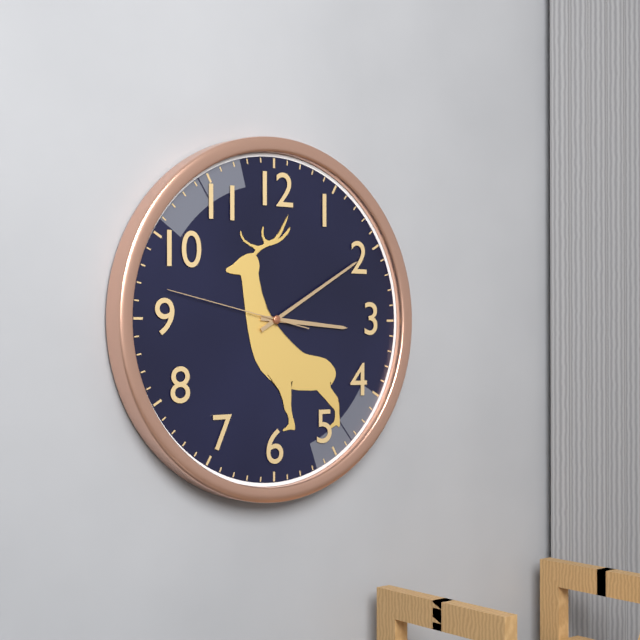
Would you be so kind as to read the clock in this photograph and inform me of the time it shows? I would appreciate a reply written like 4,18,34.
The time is 3,10,47
